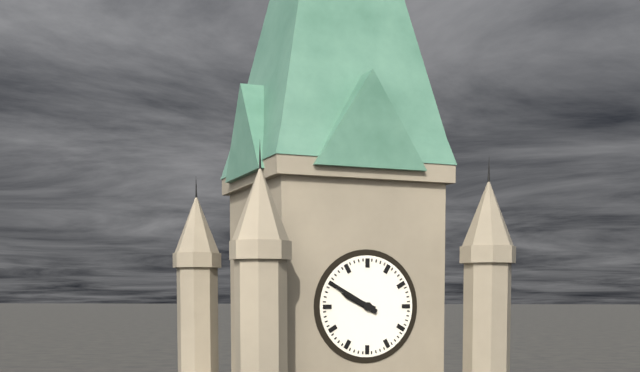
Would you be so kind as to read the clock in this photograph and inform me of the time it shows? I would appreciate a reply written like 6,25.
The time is 9,50
